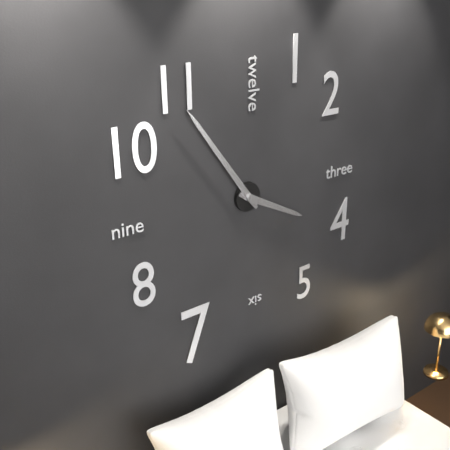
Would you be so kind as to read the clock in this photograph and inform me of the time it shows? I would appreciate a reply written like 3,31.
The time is 3,54
